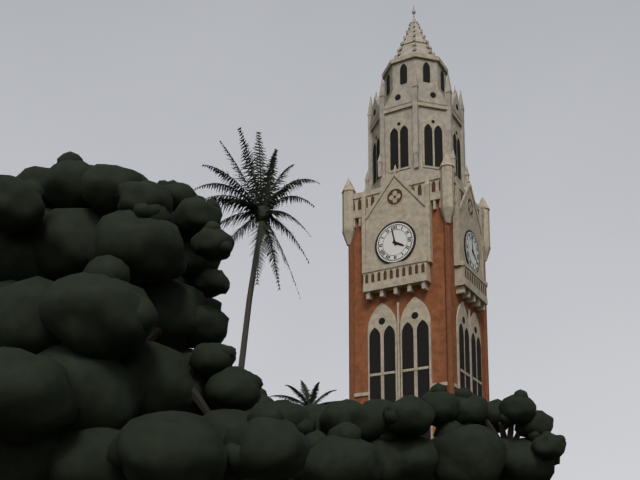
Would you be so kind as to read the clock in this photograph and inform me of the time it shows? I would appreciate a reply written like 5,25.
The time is 3,58
